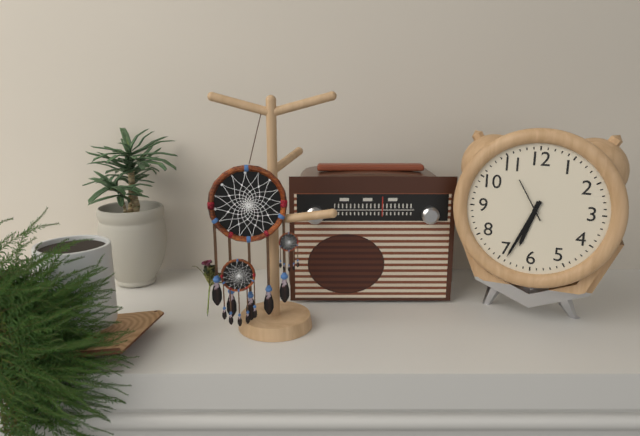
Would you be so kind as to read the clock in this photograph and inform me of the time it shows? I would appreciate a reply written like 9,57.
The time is 6,34
